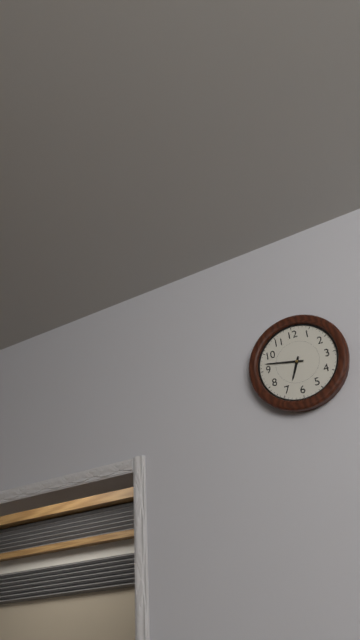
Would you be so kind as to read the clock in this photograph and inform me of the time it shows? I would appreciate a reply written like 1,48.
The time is 6,47
